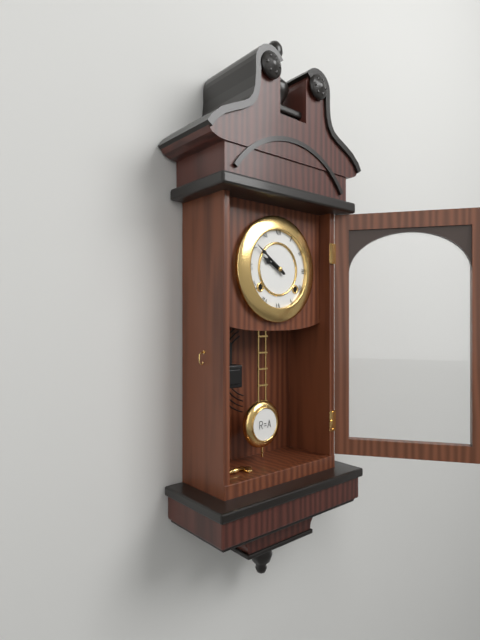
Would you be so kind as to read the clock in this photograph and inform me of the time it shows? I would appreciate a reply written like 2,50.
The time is 9,51
